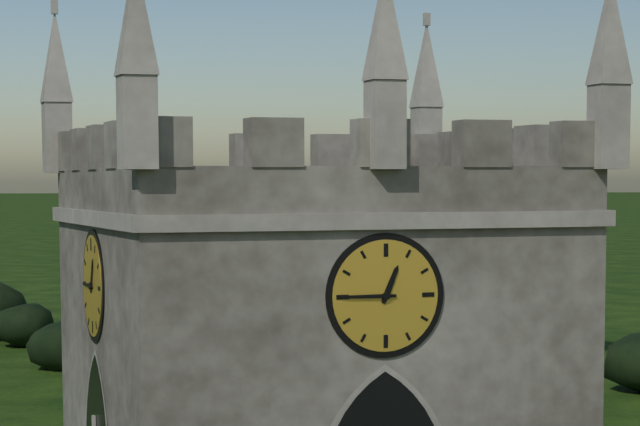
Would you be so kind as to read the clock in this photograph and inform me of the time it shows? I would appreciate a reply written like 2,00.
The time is 12,45
